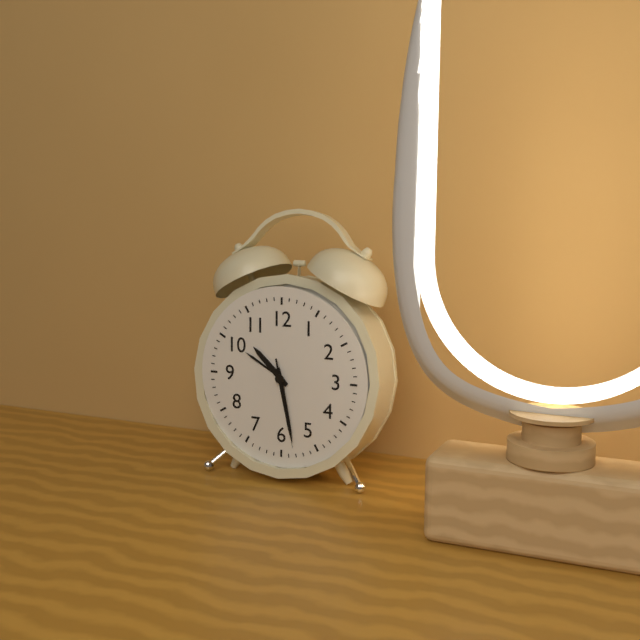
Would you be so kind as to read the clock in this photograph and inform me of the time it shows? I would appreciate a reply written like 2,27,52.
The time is 10,28,28
